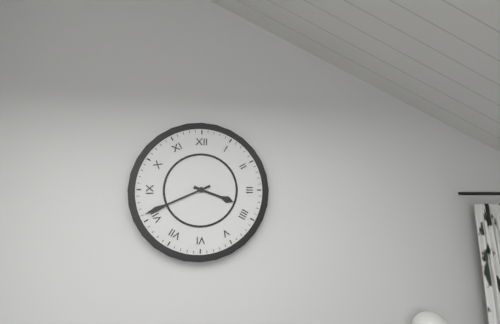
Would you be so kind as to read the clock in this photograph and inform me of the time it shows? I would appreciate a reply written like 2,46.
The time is 3,41
